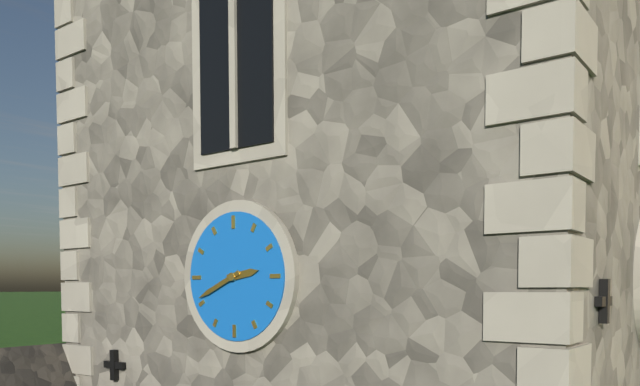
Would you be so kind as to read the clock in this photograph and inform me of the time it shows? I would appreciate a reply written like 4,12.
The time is 2,41
